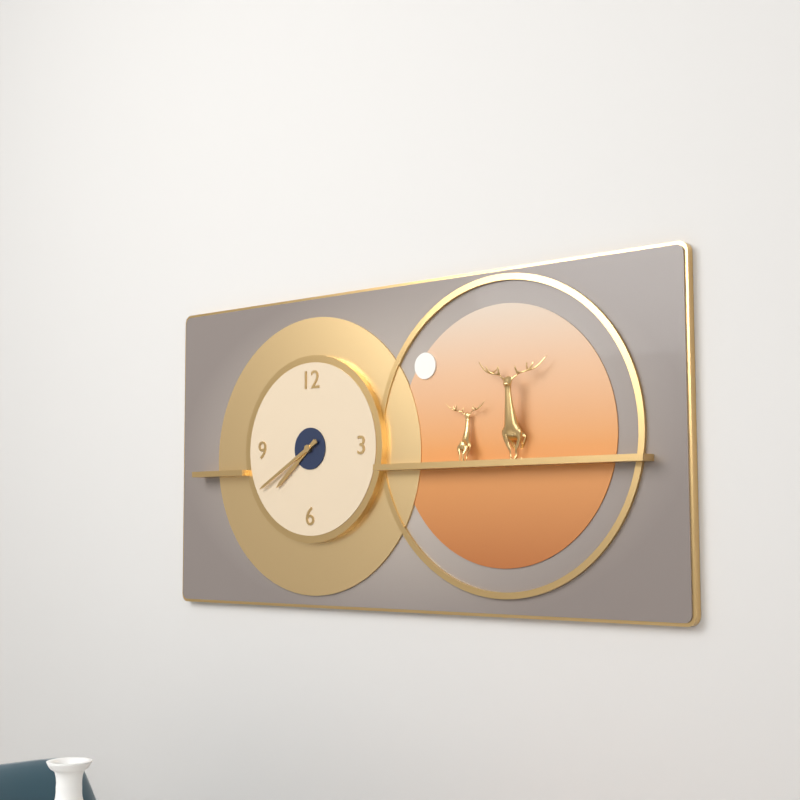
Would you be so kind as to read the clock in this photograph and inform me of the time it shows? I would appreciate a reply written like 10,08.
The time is 7,40
